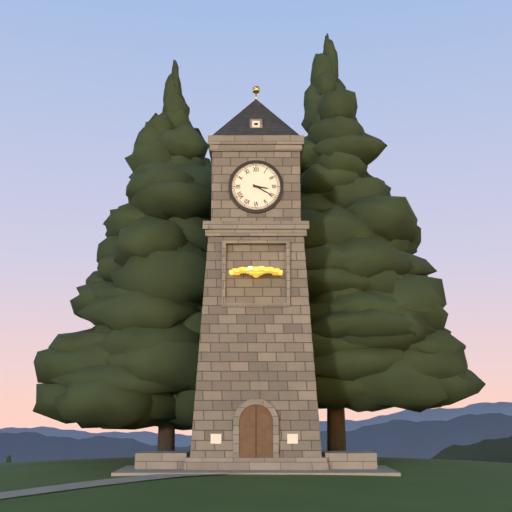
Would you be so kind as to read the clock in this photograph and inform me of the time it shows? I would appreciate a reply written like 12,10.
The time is 3,20
